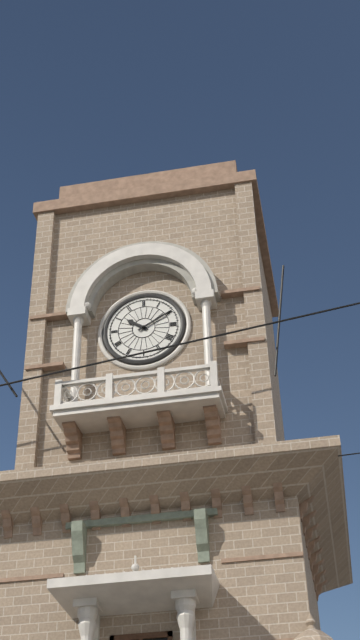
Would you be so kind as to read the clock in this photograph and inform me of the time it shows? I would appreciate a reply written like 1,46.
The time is 10,10
